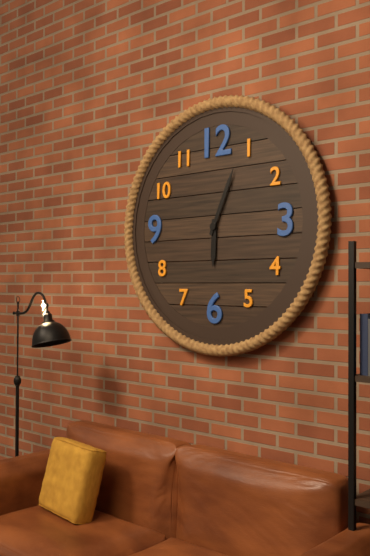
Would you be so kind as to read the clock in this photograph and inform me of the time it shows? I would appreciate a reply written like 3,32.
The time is 6,04
